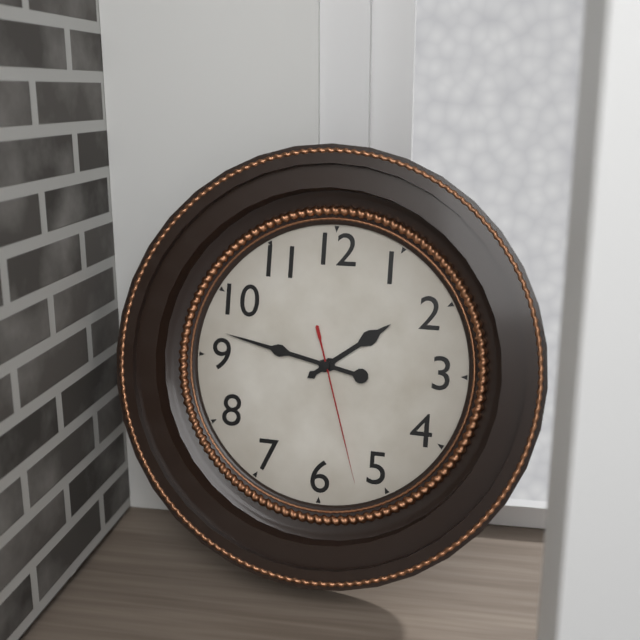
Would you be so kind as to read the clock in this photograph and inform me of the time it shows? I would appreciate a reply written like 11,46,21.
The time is 1,47,27
